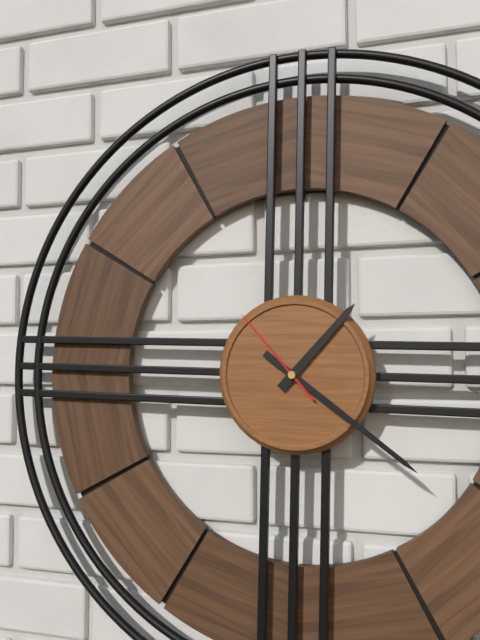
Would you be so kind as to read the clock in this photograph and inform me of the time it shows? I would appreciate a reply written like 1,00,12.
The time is 1,21,53
